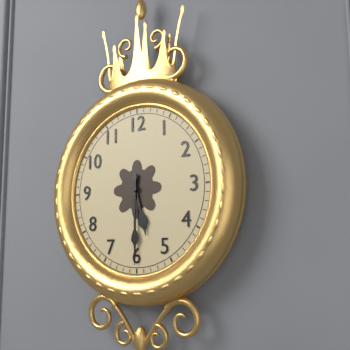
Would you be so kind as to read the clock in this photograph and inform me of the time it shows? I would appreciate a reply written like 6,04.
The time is 5,30
